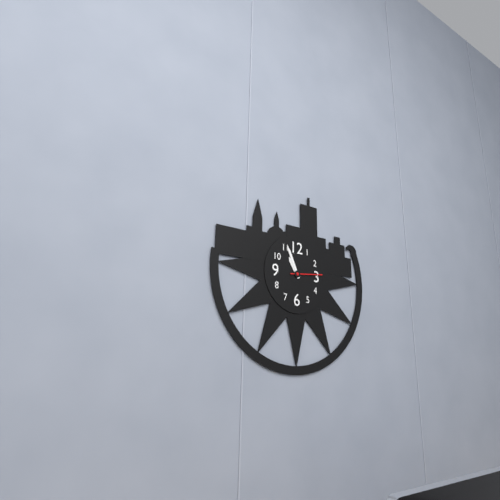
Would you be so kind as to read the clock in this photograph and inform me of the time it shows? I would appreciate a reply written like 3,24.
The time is 10,56
